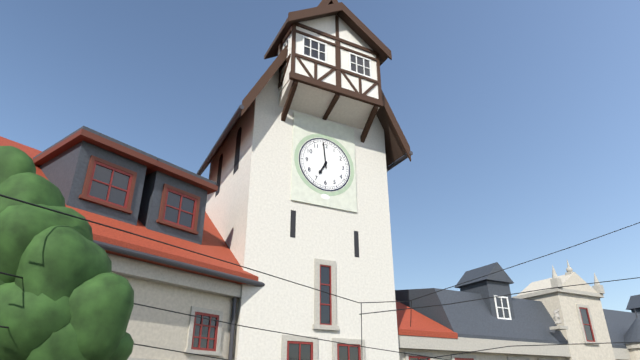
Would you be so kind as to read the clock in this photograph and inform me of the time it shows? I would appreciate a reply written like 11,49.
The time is 6,59
